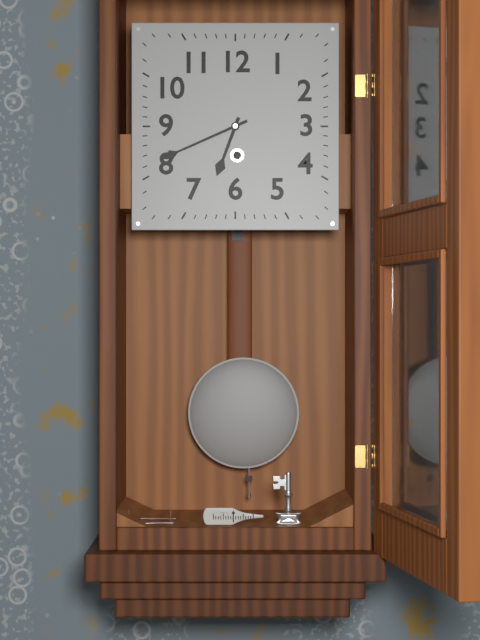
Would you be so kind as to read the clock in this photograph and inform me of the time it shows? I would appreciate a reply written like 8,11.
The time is 6,41
